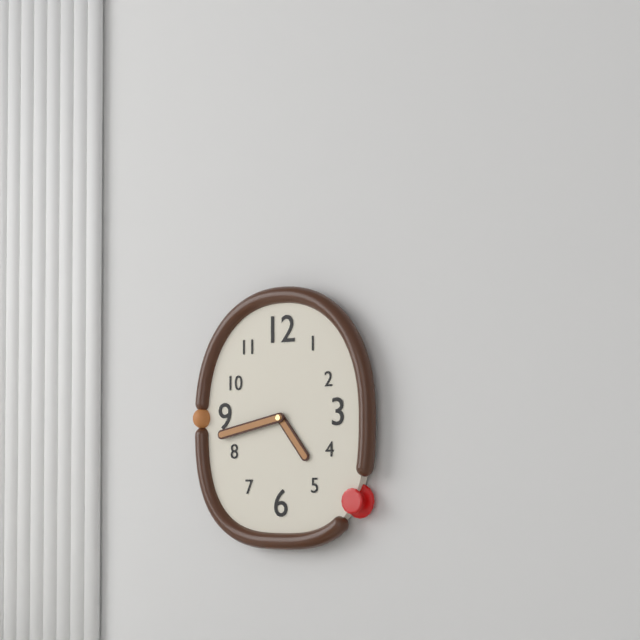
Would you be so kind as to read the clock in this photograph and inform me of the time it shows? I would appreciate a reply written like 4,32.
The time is 4,43
